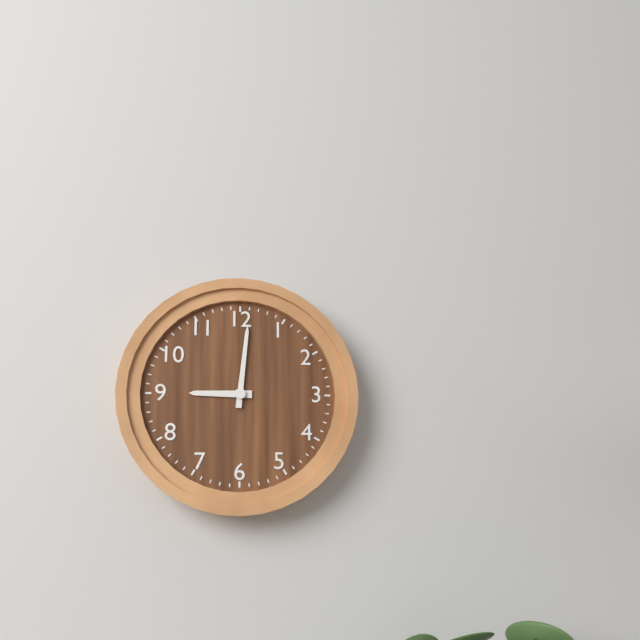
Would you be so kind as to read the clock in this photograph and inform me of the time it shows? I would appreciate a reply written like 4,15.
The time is 9,01
